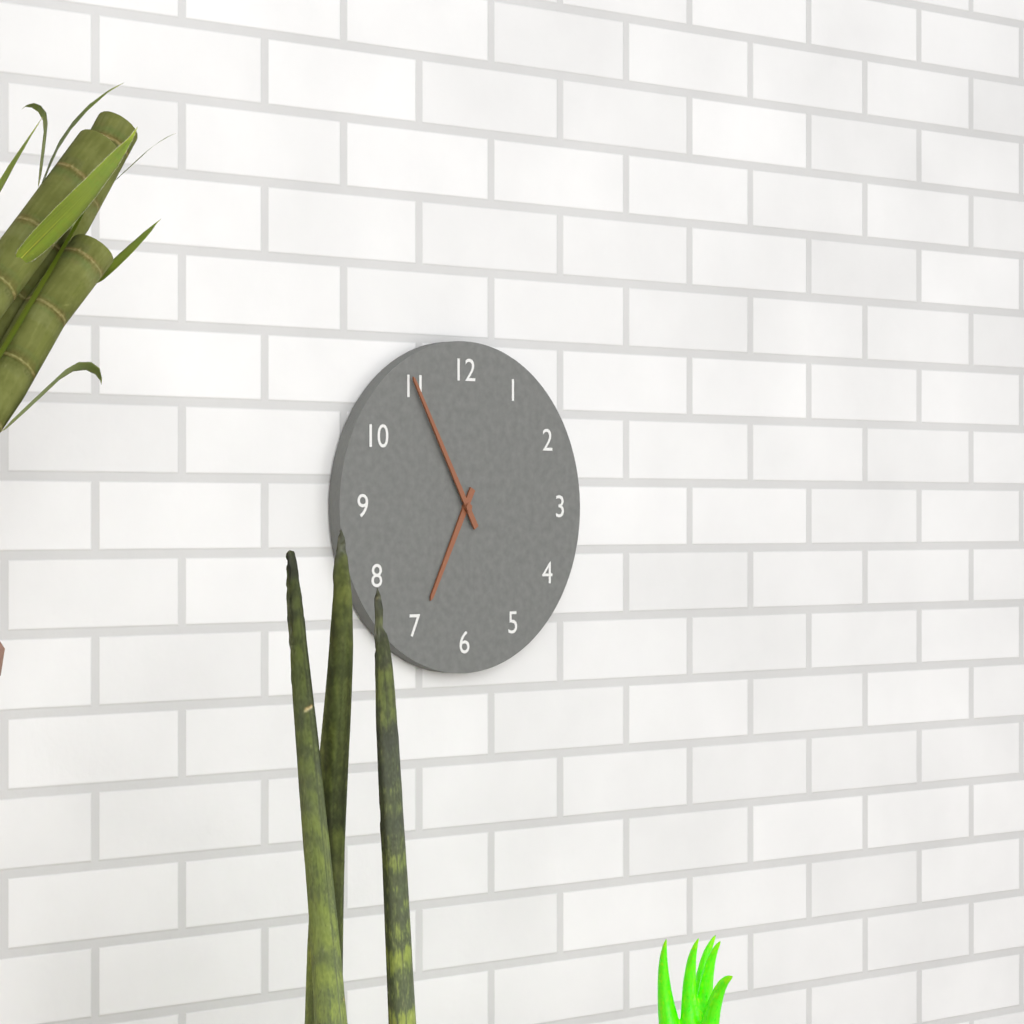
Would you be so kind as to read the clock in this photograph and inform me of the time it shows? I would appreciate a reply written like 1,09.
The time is 6,55
